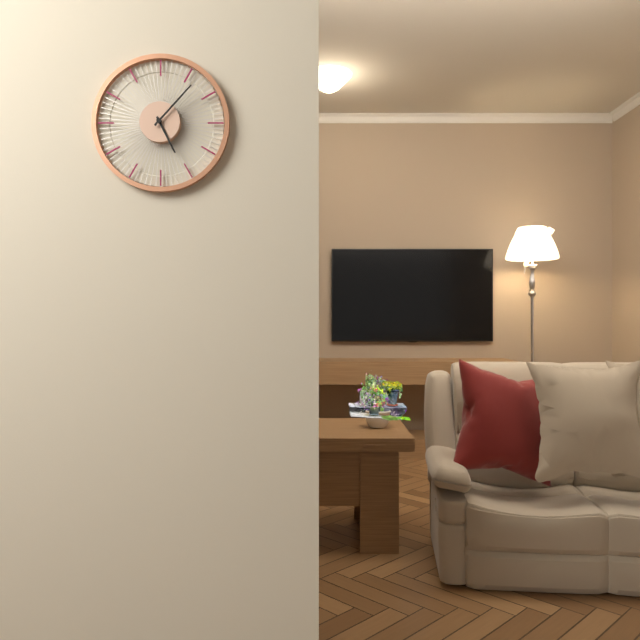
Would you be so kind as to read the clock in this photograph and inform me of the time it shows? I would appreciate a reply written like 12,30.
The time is 5,07
